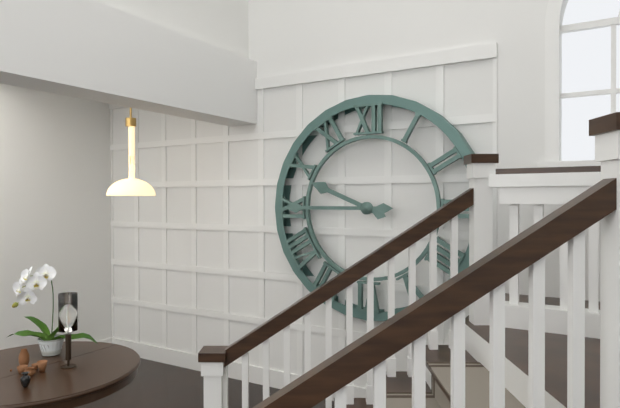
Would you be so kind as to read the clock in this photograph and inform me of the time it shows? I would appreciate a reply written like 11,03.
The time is 9,45
